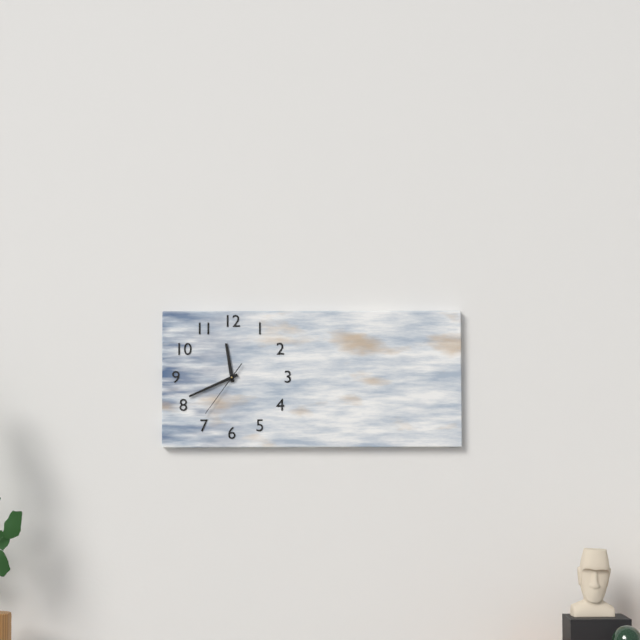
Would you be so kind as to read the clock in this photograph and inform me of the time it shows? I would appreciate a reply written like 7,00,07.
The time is 11,41,36
